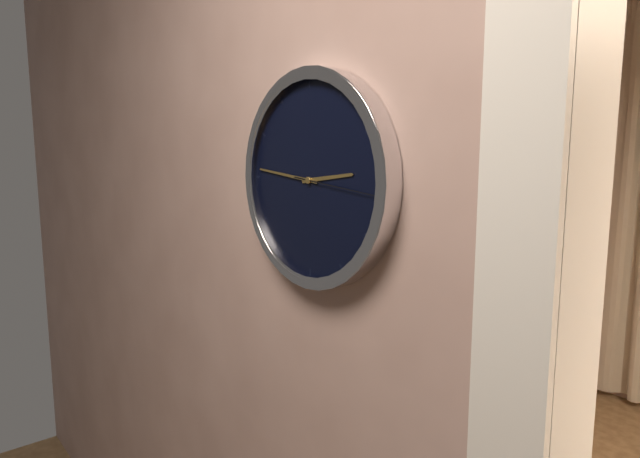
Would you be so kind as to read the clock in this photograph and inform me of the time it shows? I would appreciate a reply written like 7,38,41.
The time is 2,46,16
